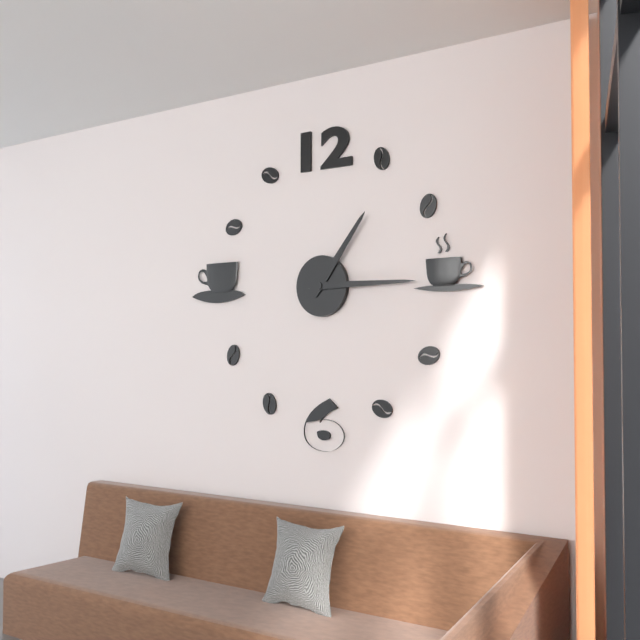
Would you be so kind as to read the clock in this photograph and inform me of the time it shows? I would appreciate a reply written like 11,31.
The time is 1,15
